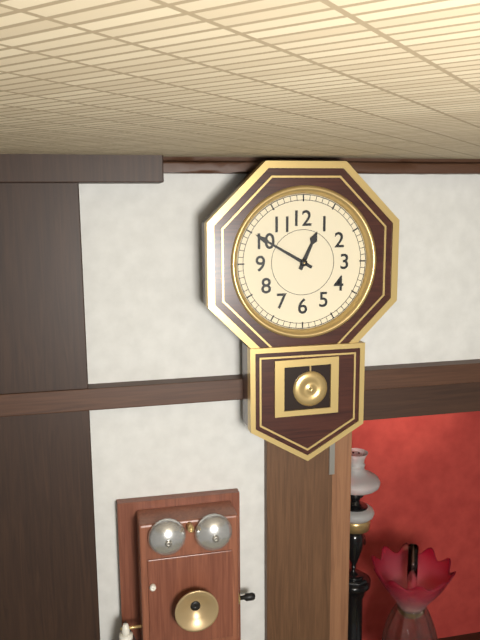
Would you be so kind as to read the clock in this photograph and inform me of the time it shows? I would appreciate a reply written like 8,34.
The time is 12,50
